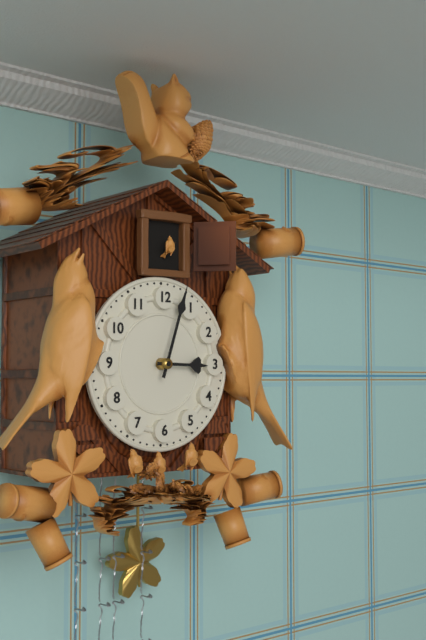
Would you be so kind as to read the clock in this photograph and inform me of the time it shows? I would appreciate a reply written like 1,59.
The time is 3,03
